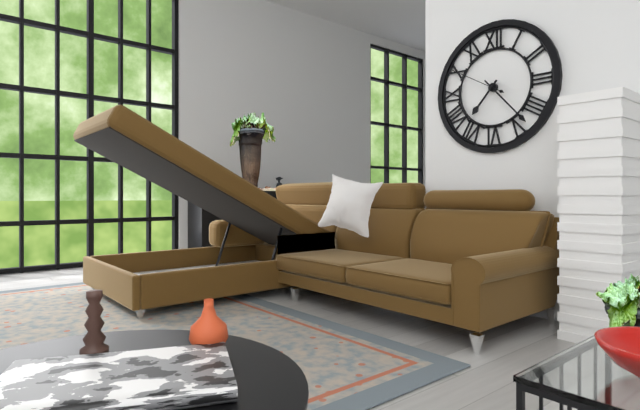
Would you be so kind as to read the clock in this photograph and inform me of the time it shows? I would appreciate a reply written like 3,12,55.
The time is 7,23,50
